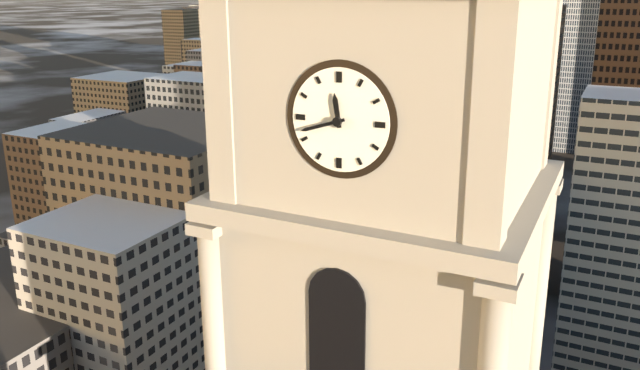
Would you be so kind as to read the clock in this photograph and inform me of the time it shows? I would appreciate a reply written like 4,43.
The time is 11,42
